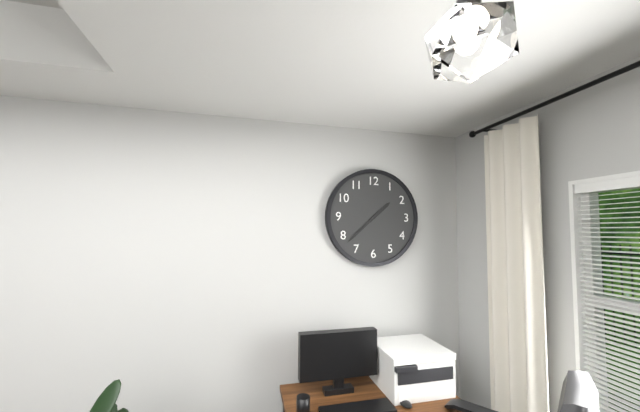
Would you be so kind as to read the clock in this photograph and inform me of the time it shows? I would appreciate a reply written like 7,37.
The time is 1,38
